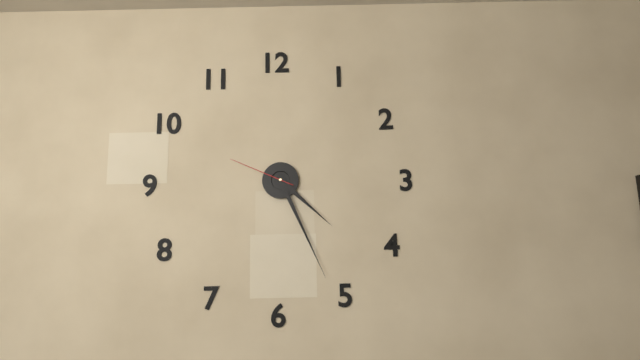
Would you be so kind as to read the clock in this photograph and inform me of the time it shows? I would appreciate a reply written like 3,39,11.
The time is 4,26,49
